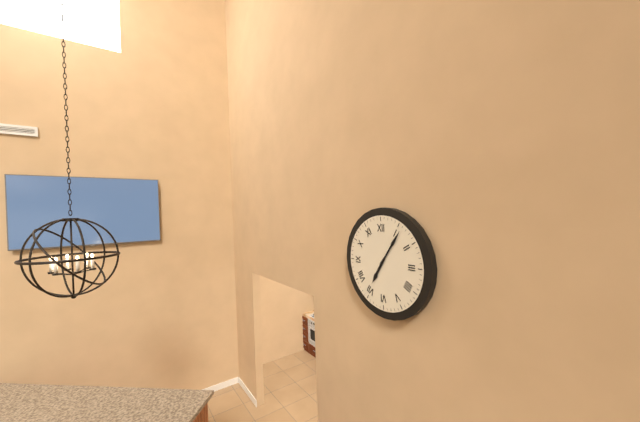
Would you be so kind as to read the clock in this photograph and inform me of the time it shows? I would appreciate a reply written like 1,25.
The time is 7,06
